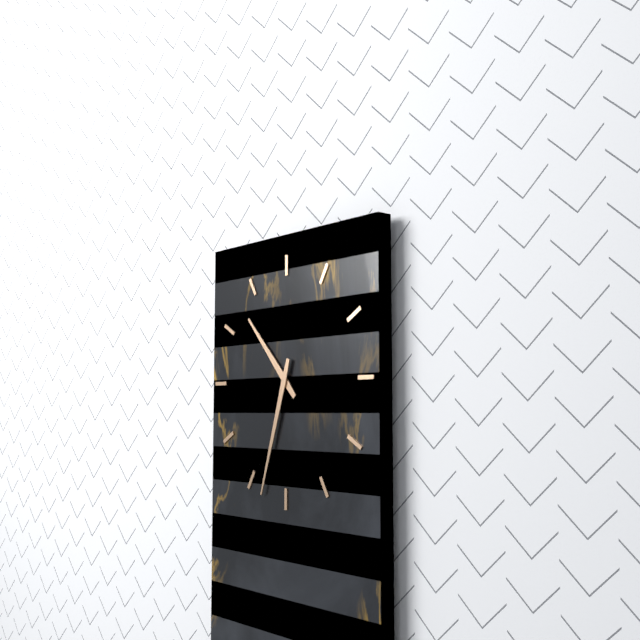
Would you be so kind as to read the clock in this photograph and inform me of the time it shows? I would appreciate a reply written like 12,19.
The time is 10,33
